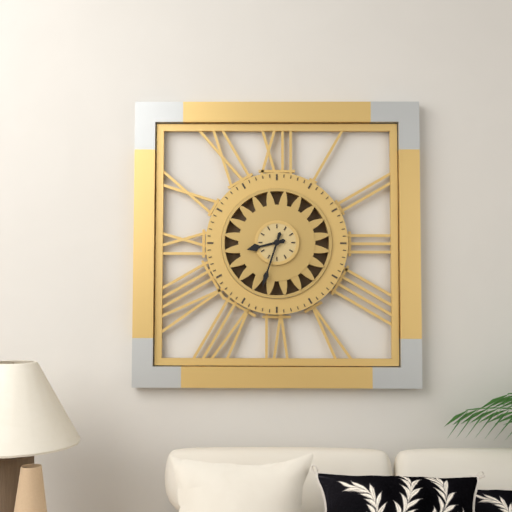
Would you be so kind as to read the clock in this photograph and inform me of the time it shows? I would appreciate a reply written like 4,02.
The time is 8,33
